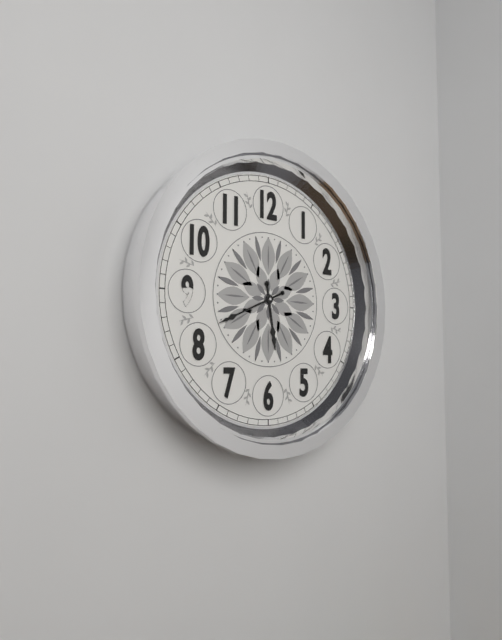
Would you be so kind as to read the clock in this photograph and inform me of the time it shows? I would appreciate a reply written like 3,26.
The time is 5,41
